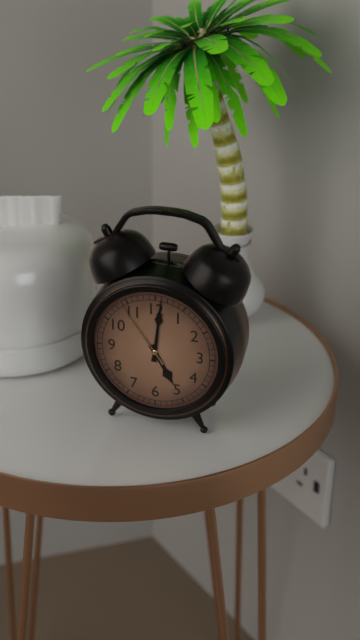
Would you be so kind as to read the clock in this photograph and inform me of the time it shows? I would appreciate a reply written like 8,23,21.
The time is 5,01,54
